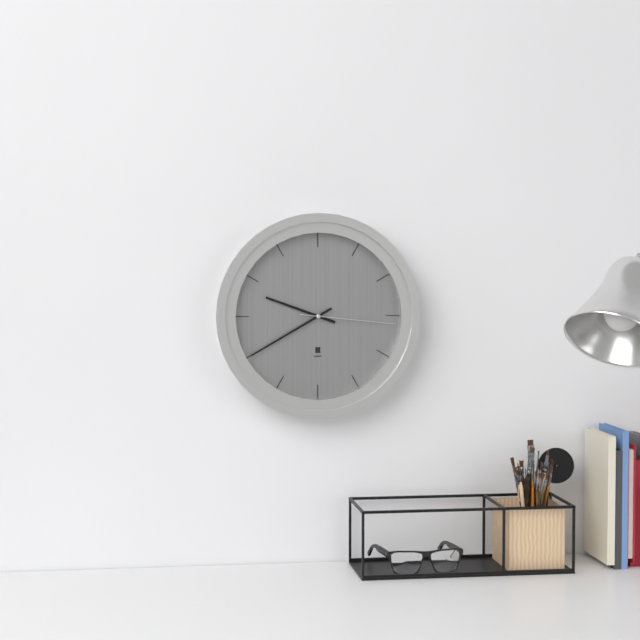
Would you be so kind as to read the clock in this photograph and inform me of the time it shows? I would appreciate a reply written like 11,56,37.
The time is 9,40,16
